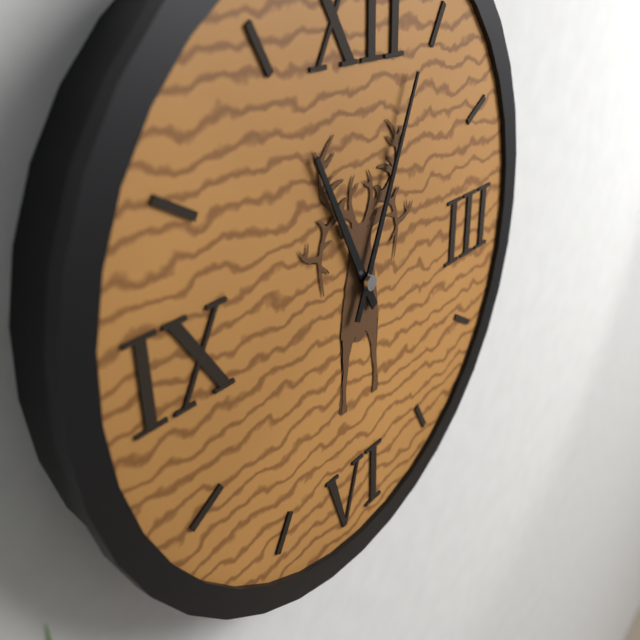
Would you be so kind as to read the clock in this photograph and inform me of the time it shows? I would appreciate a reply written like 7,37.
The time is 11,04
